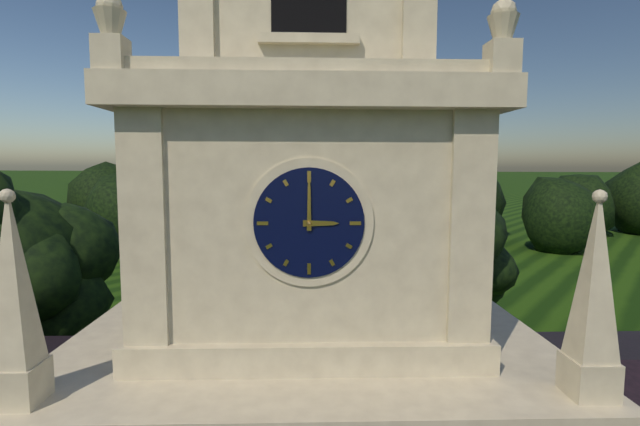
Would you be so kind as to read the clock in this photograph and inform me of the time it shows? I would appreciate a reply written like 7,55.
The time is 3,00
